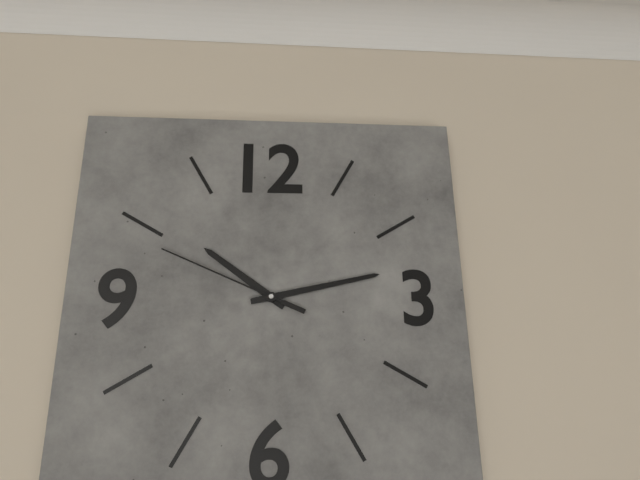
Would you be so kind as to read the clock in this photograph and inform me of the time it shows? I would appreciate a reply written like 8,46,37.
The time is 10,13,49
